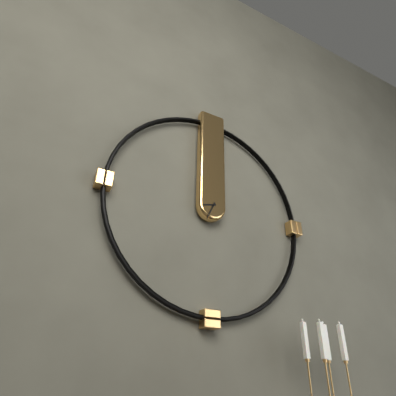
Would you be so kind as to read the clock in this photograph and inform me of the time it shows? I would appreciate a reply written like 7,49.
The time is 8,34
